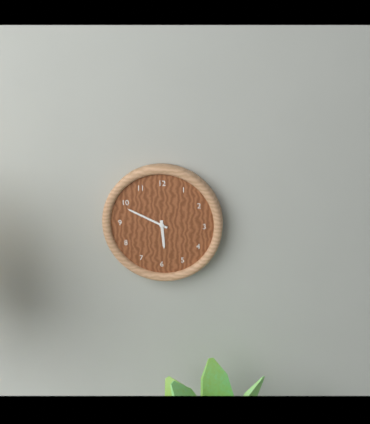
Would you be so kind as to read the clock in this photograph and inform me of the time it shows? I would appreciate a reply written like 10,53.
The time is 5,49
